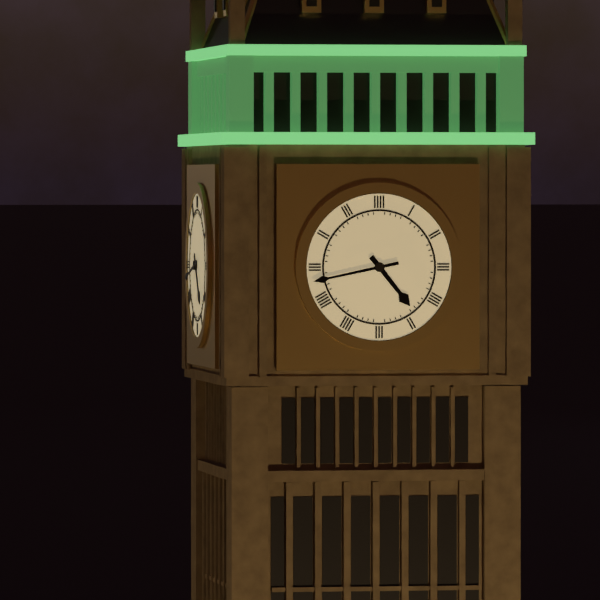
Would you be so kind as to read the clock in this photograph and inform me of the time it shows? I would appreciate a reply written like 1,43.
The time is 4,43
